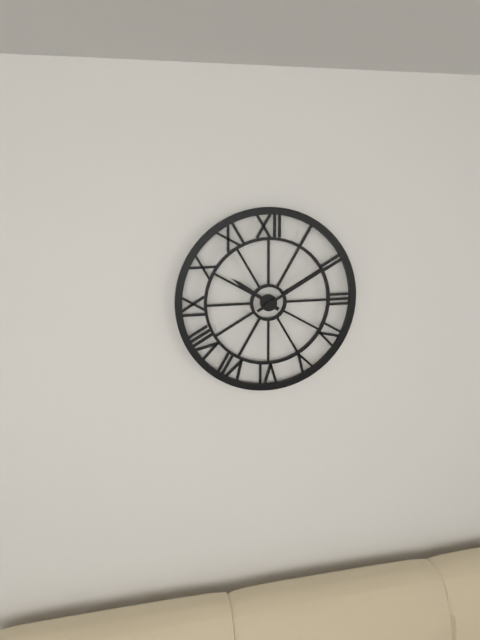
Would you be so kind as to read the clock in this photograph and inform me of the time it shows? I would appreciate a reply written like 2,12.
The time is 10,10
